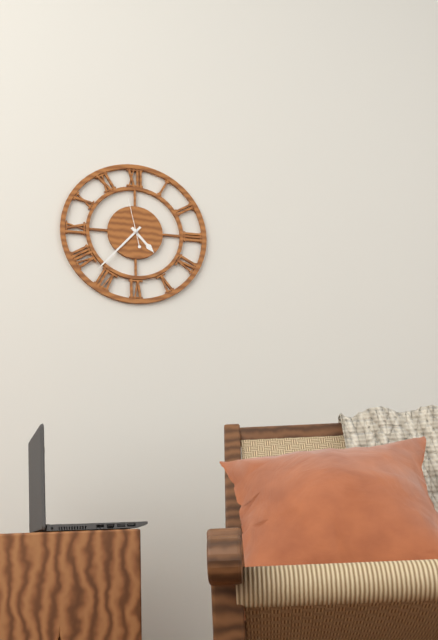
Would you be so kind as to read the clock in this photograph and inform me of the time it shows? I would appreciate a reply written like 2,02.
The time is 4,37
